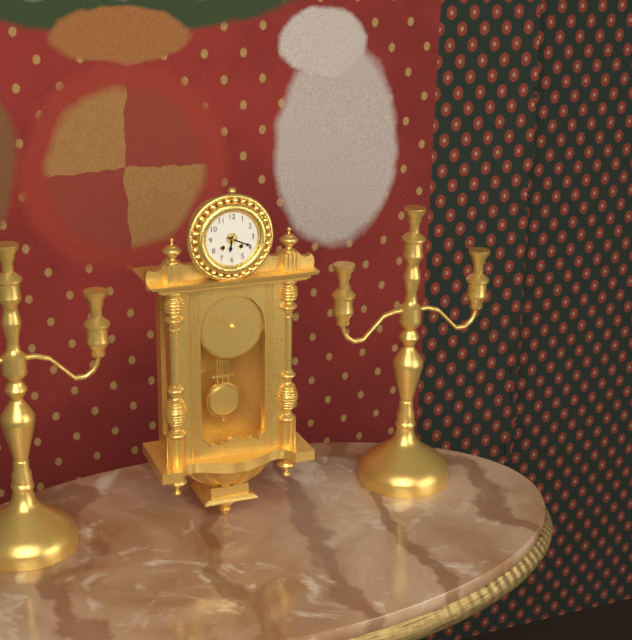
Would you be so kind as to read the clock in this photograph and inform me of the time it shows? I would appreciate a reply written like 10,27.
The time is 6,19
